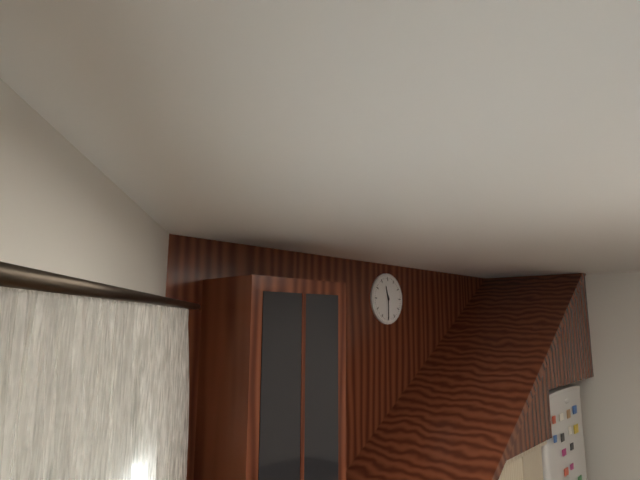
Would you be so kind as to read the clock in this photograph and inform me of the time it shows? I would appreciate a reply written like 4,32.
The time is 11,30
